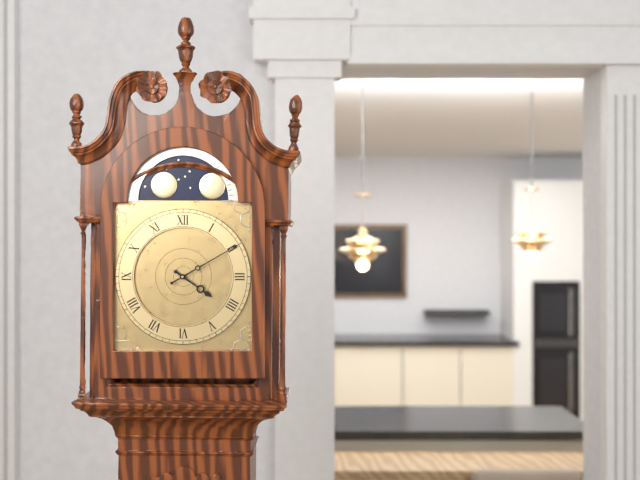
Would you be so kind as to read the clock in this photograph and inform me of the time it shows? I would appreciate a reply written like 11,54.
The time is 4,10
